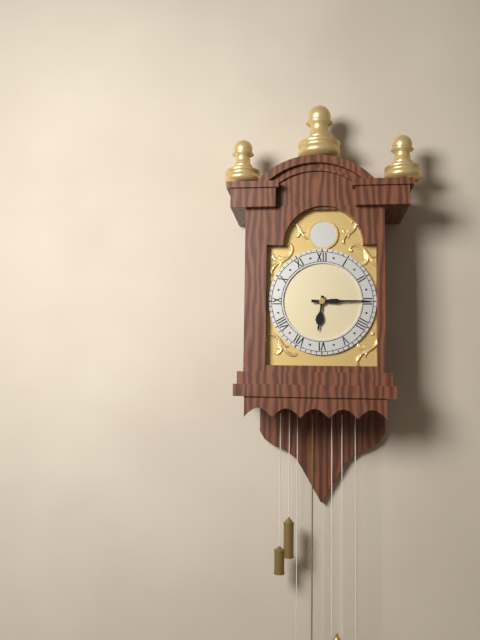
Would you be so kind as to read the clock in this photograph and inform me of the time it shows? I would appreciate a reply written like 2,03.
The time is 6,15
